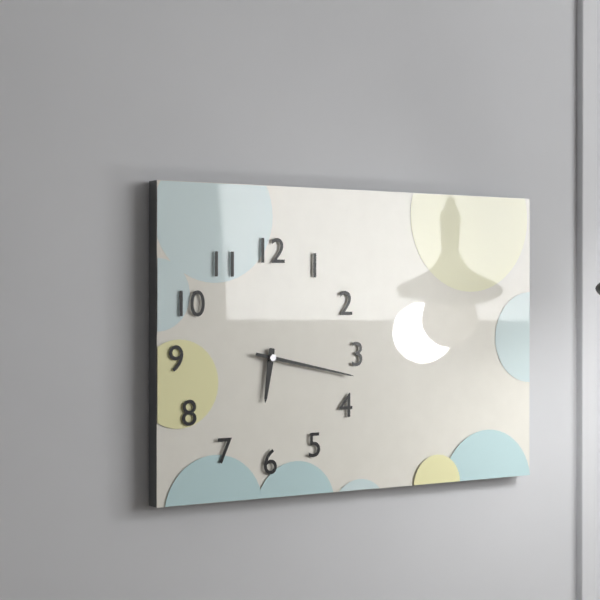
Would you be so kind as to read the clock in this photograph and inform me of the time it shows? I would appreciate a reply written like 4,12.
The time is 6,17
